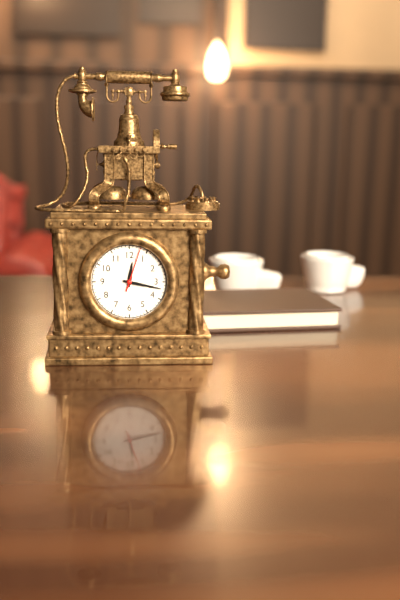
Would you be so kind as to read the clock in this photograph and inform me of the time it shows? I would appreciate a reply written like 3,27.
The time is 12,17
